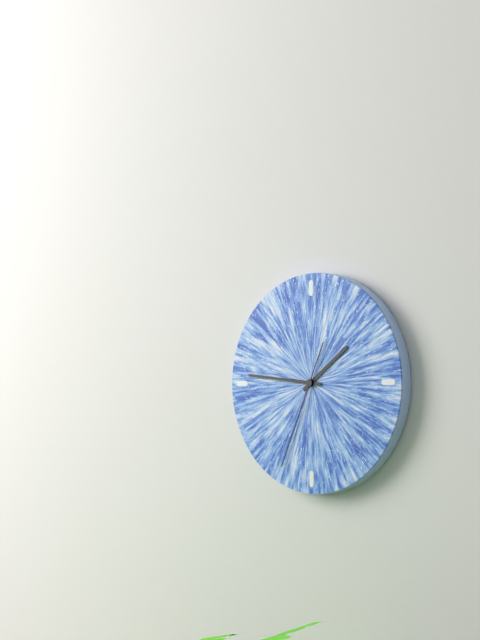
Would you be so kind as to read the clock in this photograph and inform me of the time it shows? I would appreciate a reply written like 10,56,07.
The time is 1,46,34
